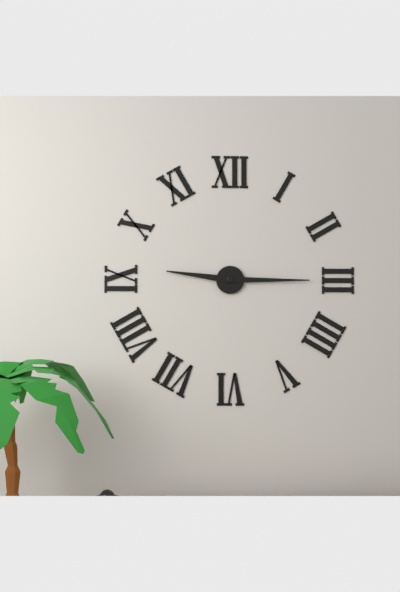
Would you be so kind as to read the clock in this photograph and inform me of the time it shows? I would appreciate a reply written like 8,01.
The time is 9,15
